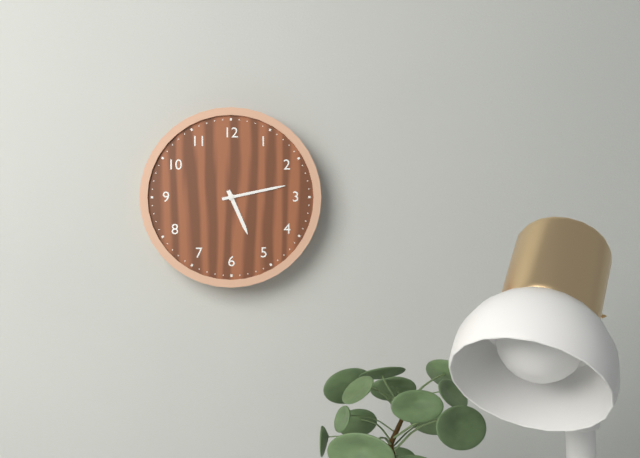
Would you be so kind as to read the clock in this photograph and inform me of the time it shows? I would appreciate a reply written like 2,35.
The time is 5,13
